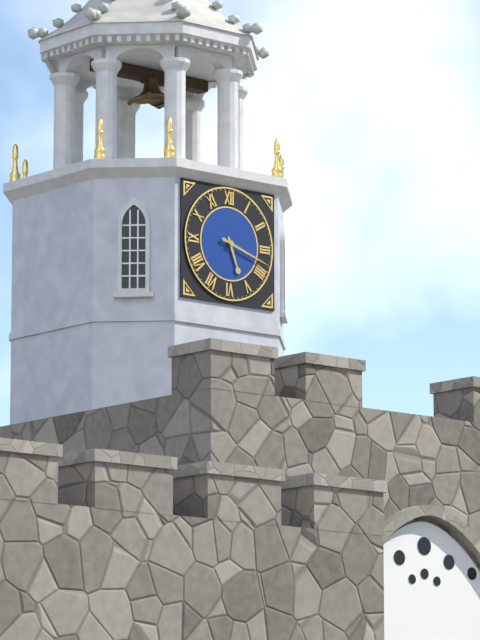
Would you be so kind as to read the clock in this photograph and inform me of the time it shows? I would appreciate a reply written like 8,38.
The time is 5,18
